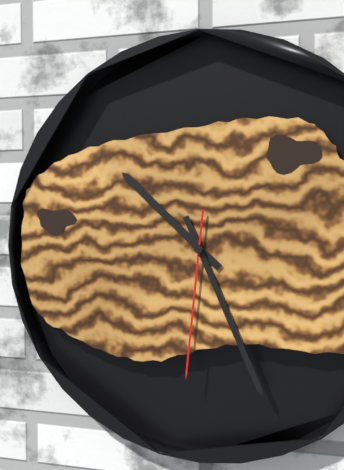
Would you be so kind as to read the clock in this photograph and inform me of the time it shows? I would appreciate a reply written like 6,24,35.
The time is 10,26,31
